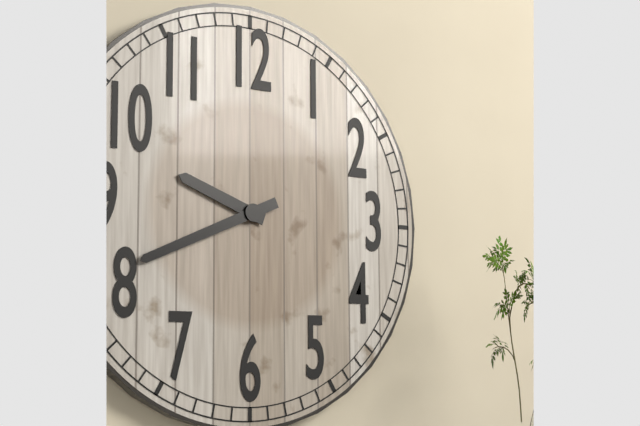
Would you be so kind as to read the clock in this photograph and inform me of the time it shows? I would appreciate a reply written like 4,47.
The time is 9,41
